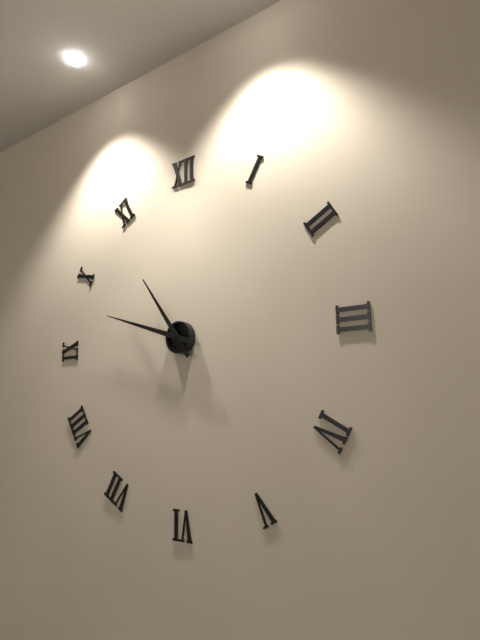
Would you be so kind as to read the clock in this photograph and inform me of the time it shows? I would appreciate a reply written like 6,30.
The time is 10,48
